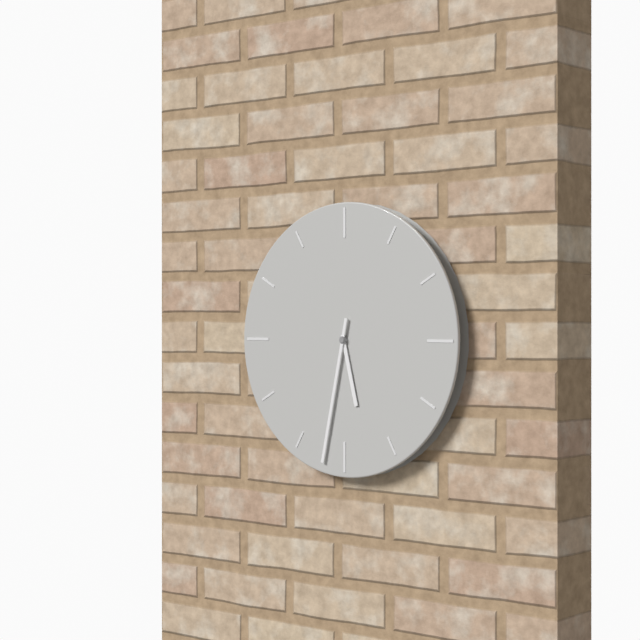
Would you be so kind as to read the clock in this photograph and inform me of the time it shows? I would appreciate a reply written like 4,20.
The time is 5,32
